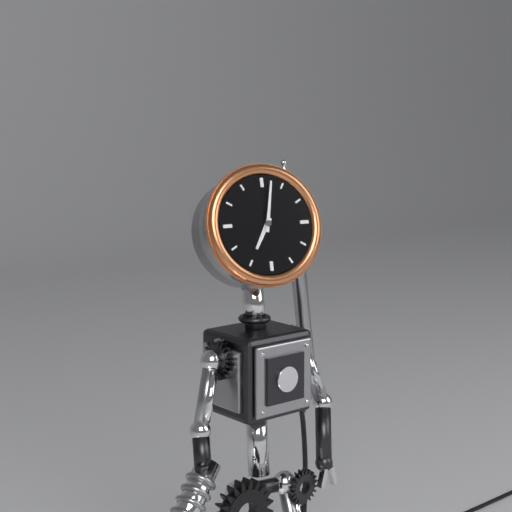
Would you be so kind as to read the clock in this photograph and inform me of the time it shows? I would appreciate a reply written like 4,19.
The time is 7,02
